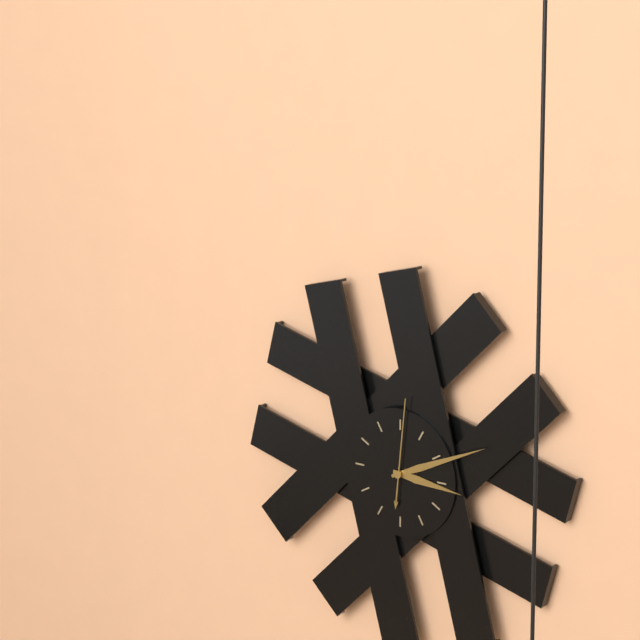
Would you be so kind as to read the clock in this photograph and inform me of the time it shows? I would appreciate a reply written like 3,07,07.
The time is 3,11,01
